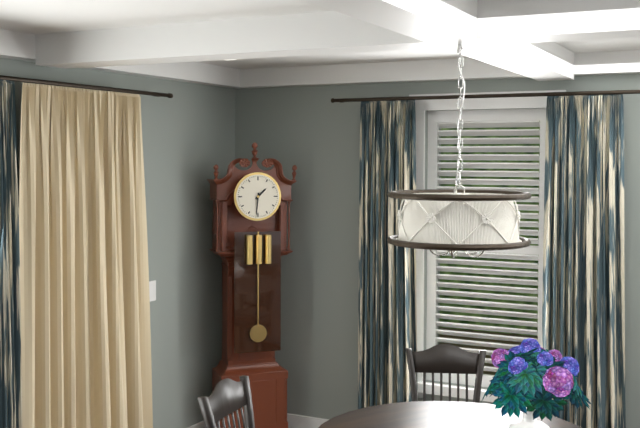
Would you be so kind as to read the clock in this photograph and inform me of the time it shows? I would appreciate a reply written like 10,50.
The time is 1,31
